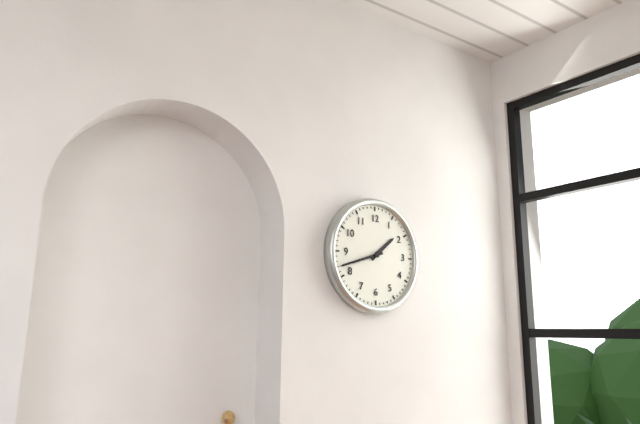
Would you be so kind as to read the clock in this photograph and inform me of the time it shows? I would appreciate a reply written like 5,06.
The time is 1,42
